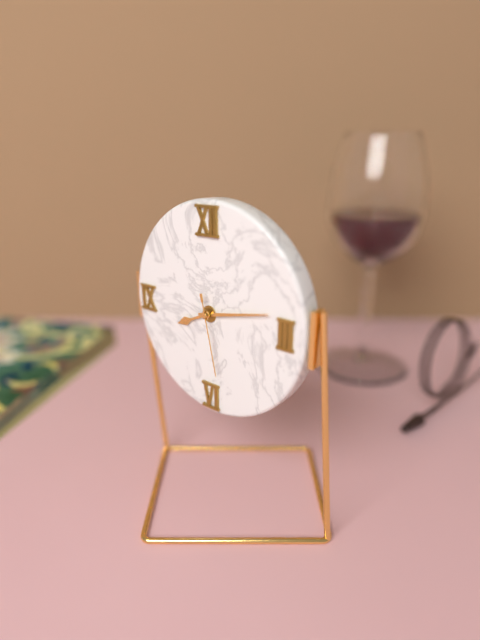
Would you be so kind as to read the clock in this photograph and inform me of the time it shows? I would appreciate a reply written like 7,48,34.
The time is 8,13,28
